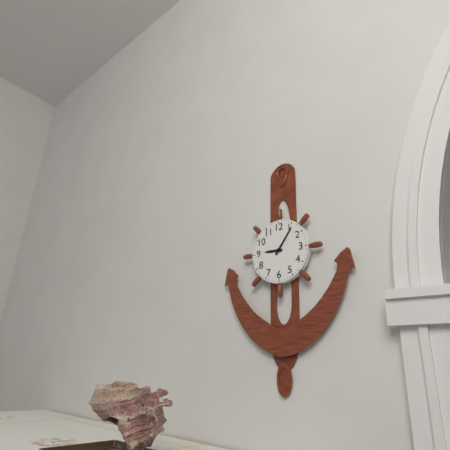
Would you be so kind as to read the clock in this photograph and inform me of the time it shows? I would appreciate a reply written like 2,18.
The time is 9,06
